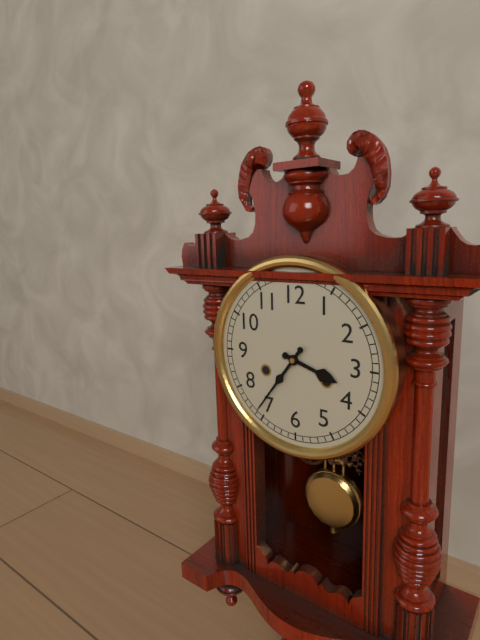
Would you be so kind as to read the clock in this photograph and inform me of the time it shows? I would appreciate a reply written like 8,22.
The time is 3,36
